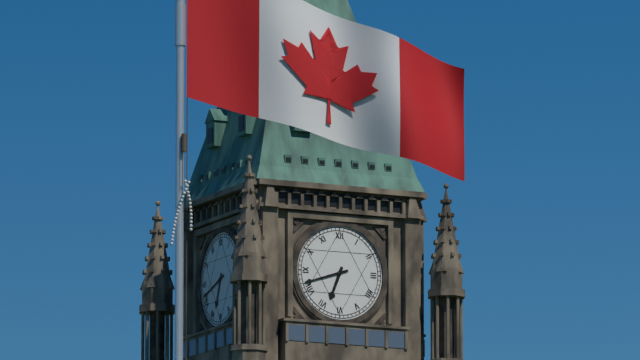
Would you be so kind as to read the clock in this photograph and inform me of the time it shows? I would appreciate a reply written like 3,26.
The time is 6,42
